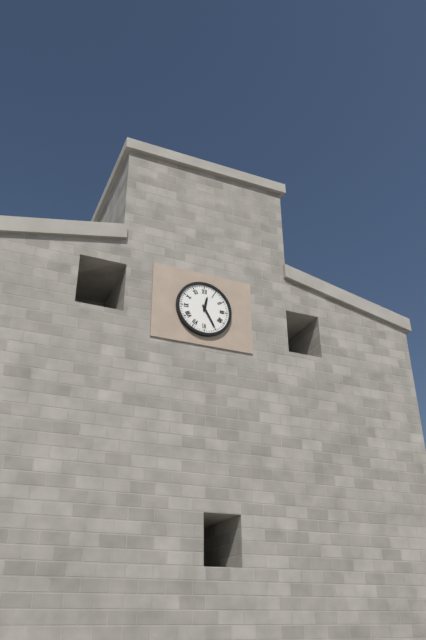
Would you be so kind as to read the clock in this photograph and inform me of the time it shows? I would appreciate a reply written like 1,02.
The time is 12,25
